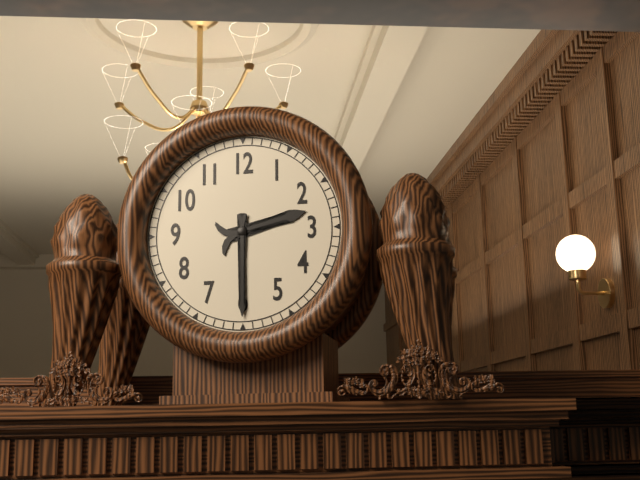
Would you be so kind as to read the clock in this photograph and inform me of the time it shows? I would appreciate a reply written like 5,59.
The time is 2,30
